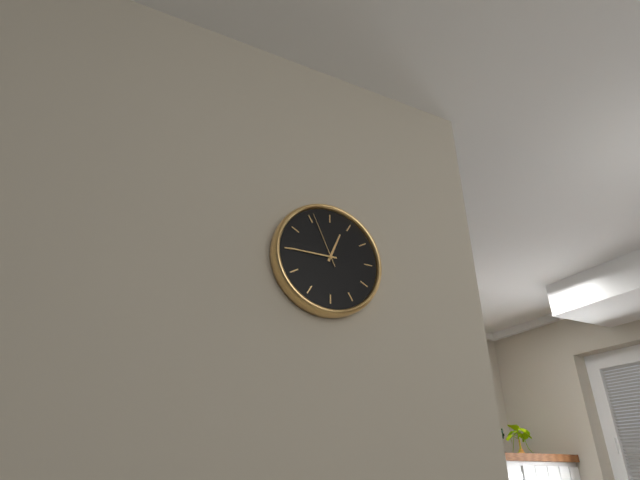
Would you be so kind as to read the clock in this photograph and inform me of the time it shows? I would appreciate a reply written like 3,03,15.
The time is 12,45,56
